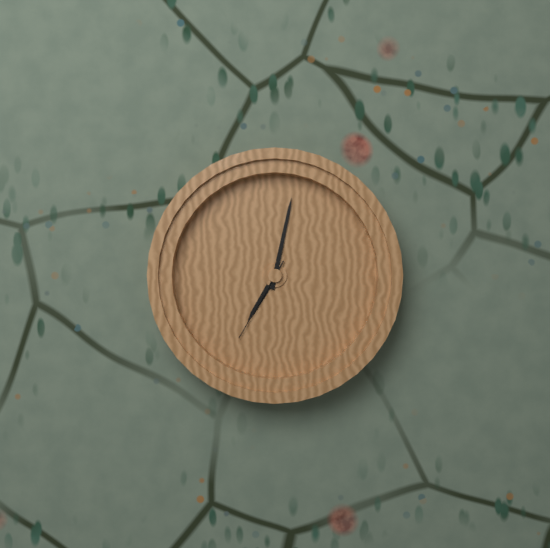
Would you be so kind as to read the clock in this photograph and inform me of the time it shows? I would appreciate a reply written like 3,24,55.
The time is 7,02,35
